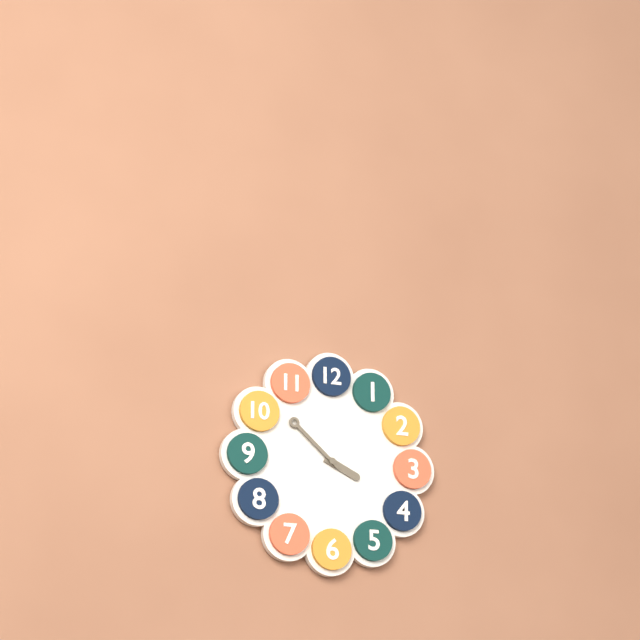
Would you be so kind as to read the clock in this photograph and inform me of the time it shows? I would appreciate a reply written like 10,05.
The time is 3,52
